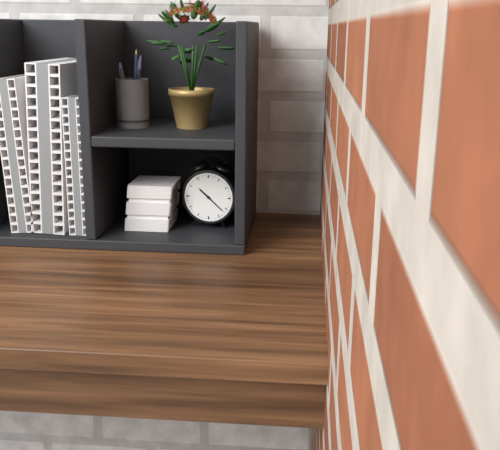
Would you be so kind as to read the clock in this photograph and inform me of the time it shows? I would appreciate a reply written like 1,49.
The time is 10,22
